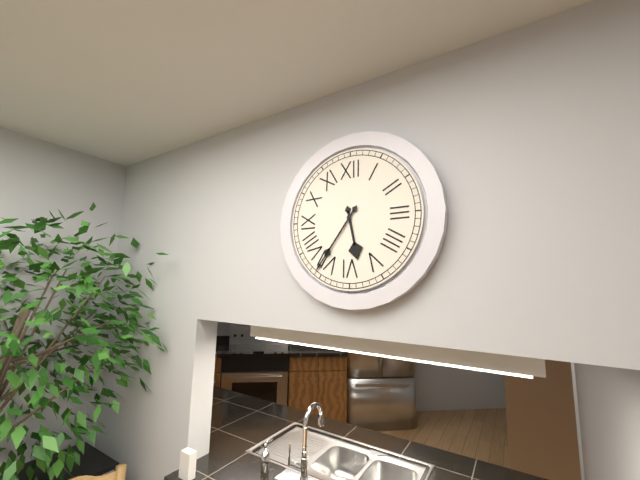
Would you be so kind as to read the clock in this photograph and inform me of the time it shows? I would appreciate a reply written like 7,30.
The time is 5,36
